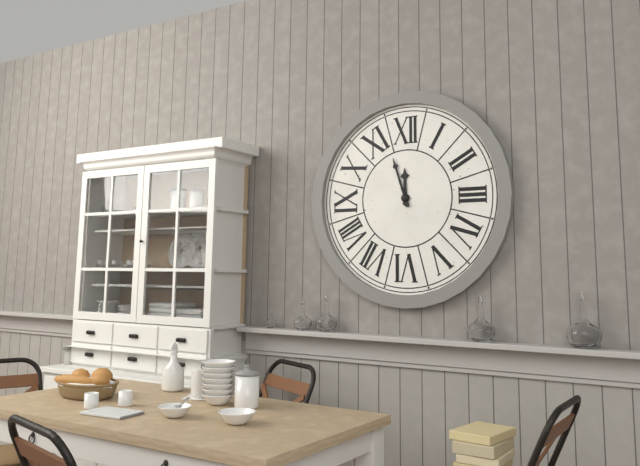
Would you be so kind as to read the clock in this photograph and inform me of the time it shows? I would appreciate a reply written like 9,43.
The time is 11,57
